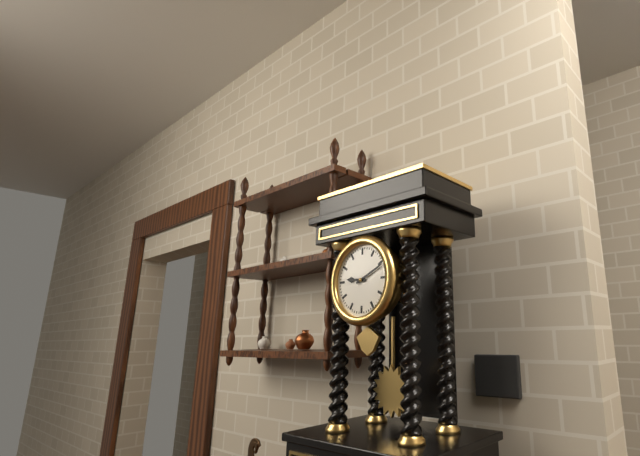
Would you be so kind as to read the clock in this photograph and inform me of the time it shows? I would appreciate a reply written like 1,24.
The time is 9,11
